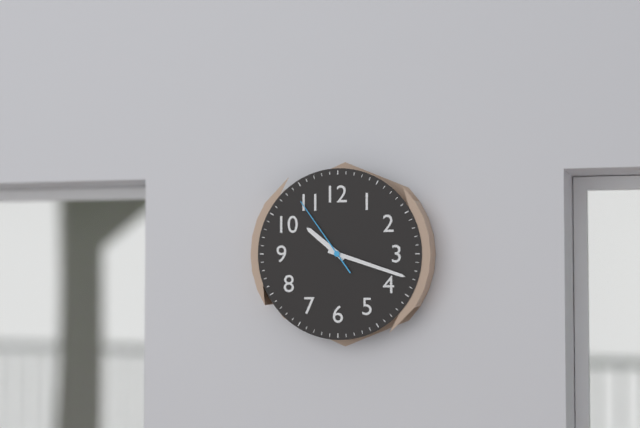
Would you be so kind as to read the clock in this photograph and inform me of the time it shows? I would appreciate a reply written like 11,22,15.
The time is 10,18,54
